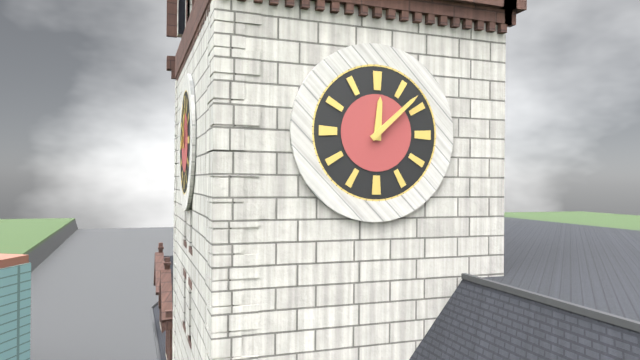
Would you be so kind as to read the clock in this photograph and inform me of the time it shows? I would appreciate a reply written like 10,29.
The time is 12,08
